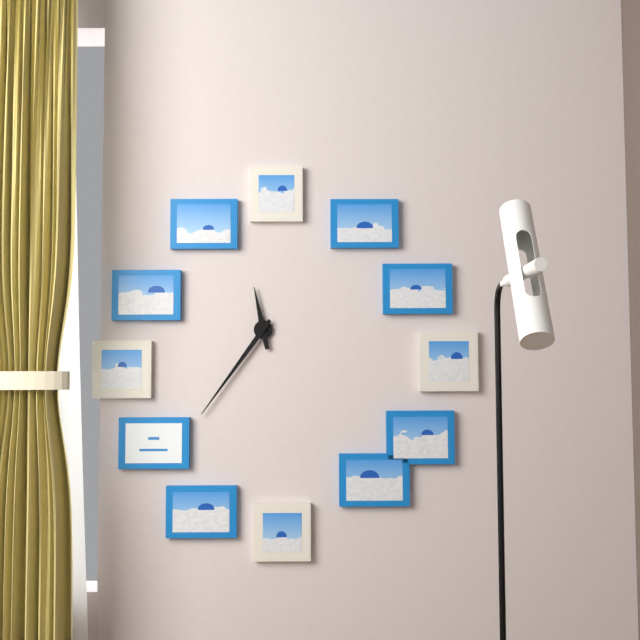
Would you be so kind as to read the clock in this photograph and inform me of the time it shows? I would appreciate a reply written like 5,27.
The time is 11,36
